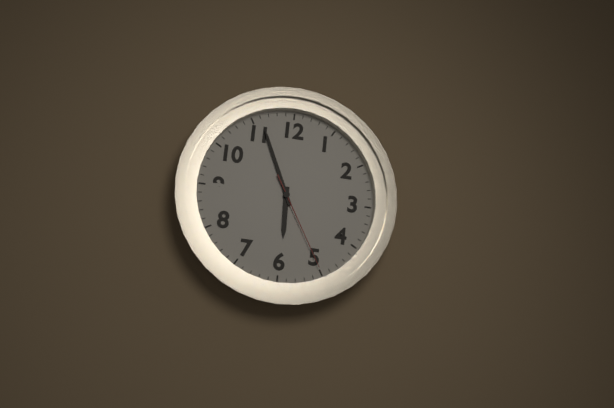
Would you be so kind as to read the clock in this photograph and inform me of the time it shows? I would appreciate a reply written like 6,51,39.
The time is 5,56,25
